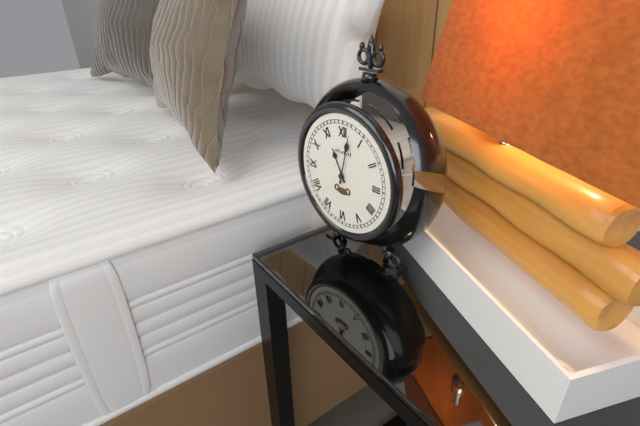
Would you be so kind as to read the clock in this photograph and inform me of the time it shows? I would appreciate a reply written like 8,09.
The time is 11,02
